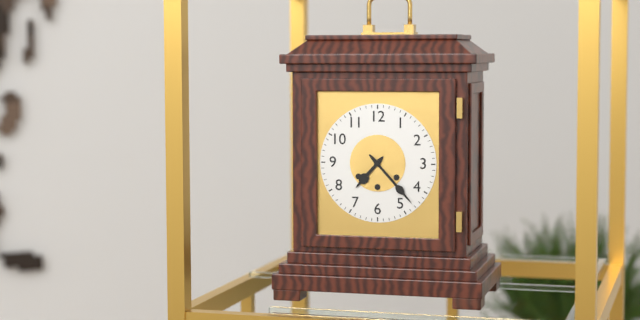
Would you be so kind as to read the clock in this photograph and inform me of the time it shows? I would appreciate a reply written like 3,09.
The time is 7,23
